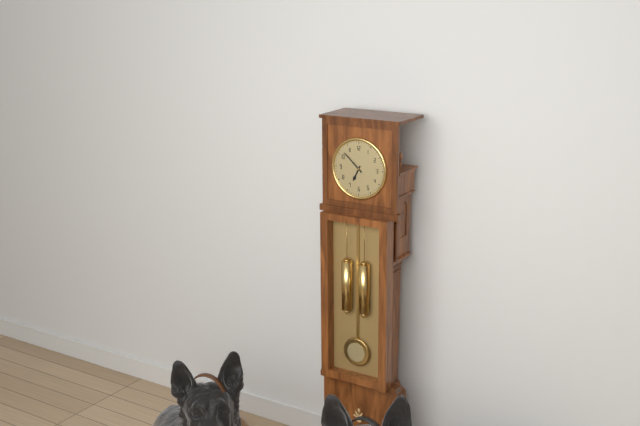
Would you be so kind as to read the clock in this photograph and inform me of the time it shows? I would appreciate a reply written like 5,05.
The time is 6,52
